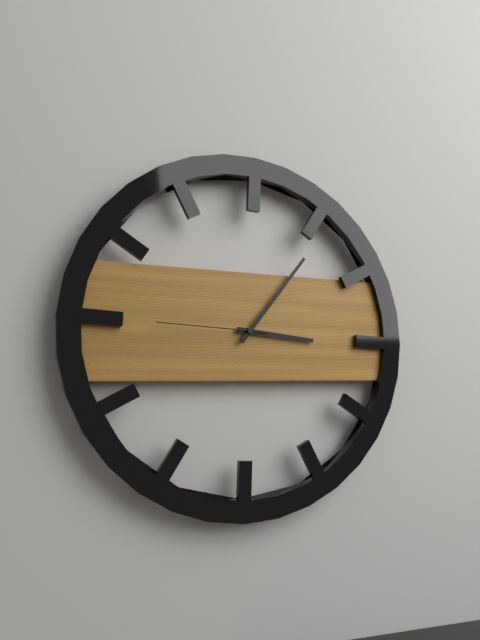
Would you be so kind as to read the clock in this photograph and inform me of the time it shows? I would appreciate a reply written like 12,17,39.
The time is 3,06,45
